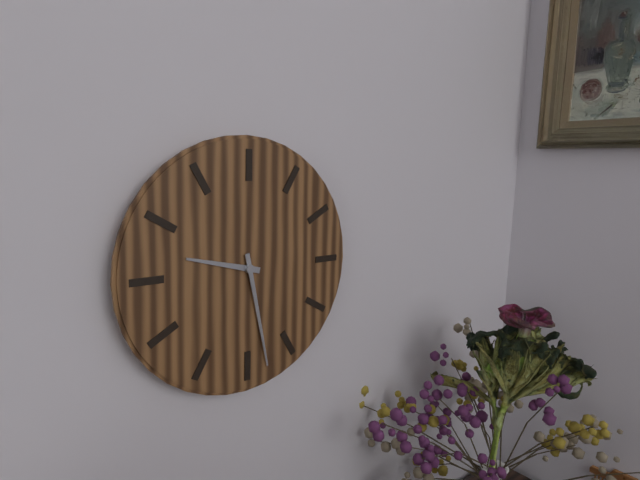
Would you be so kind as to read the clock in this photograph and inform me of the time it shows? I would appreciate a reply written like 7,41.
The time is 9,28
